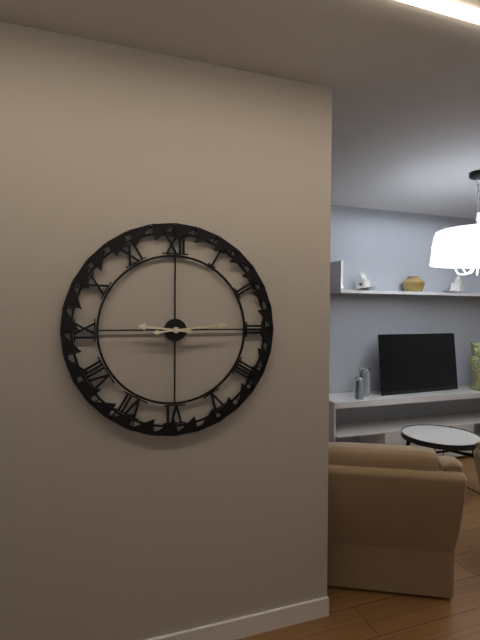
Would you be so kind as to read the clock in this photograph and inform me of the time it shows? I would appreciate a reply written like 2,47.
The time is 9,14
